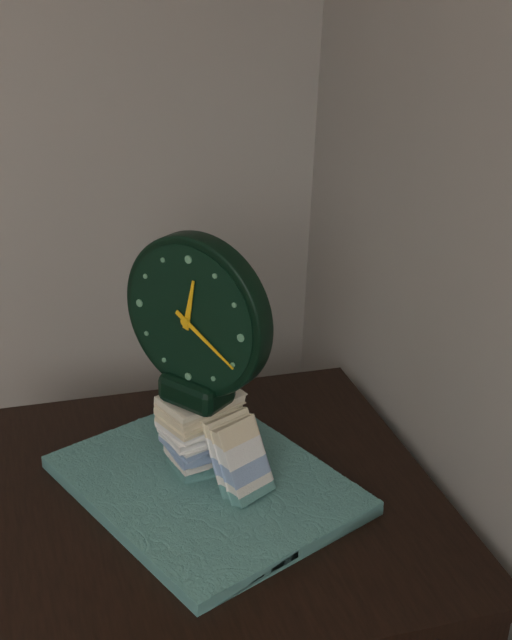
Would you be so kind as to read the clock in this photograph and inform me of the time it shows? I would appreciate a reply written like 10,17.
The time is 12,20
